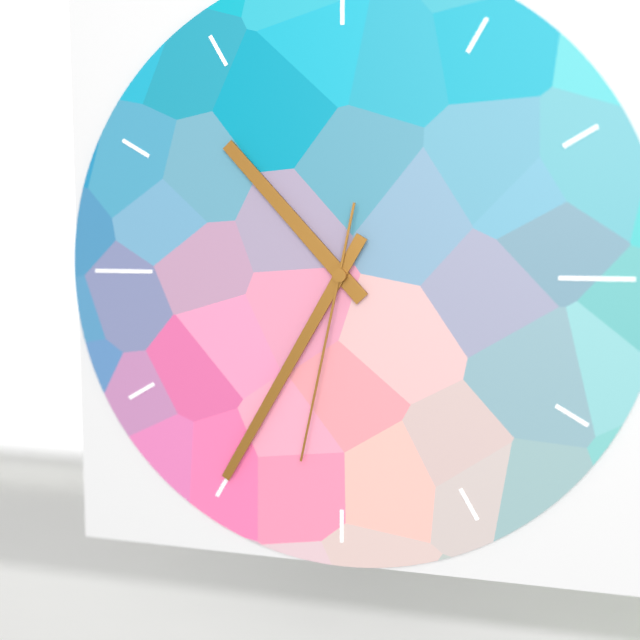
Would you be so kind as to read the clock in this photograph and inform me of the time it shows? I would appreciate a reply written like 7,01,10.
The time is 10,35,32
